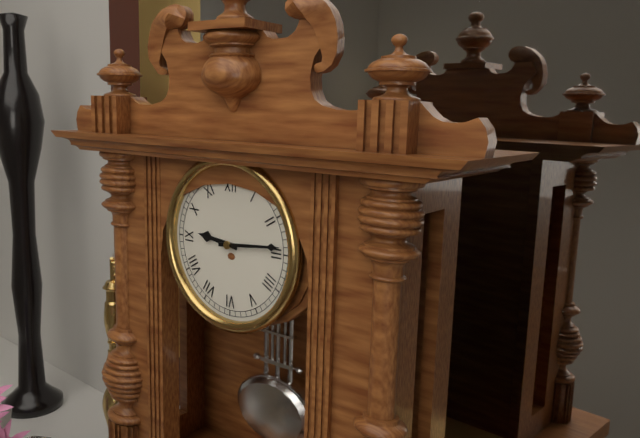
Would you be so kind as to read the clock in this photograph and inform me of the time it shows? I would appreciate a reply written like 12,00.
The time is 9,14
